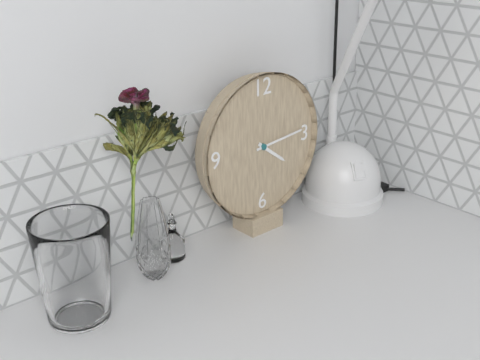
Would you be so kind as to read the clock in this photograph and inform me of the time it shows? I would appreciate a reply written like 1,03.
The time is 4,14
